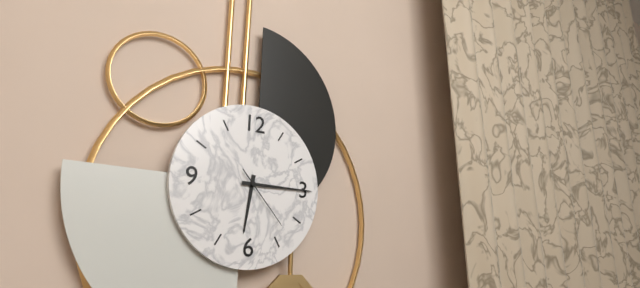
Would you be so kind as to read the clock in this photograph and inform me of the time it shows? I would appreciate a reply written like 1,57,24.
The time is 6,15,23
